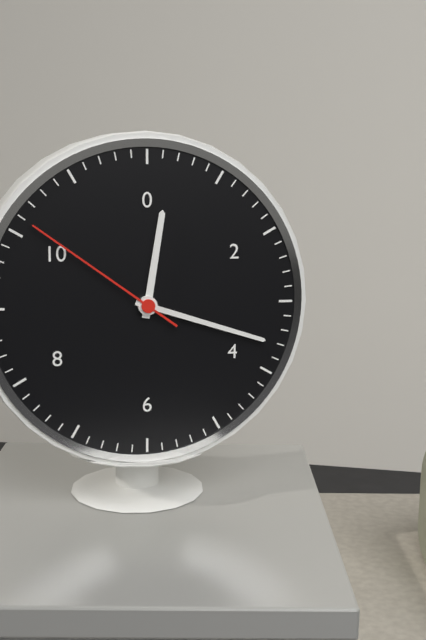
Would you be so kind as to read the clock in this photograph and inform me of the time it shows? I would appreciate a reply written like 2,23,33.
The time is 12,18,51
